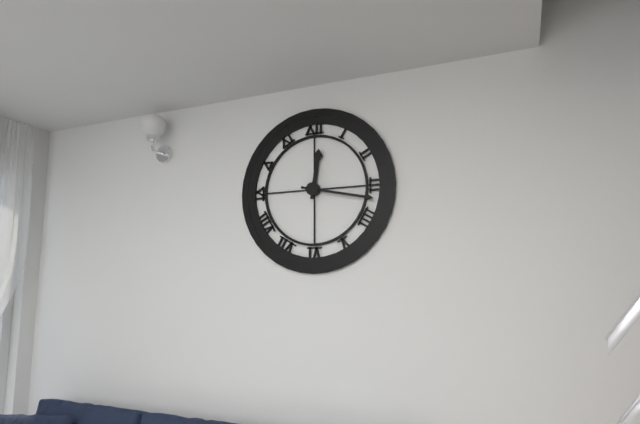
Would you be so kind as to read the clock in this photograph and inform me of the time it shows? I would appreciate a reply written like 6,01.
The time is 12,17
